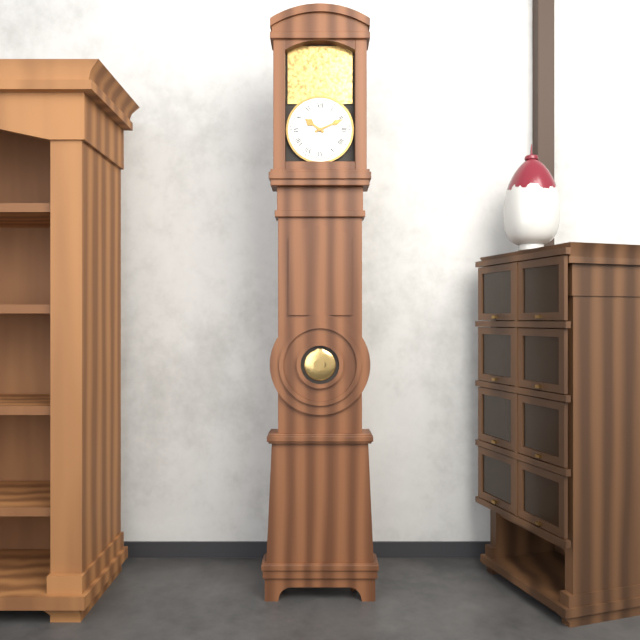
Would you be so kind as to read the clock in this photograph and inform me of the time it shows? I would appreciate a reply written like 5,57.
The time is 10,11
